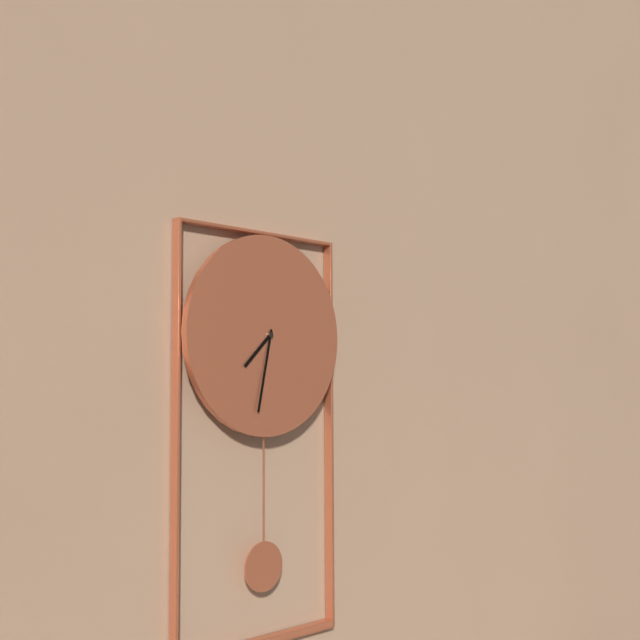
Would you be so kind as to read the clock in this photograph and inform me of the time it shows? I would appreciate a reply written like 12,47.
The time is 7,32
